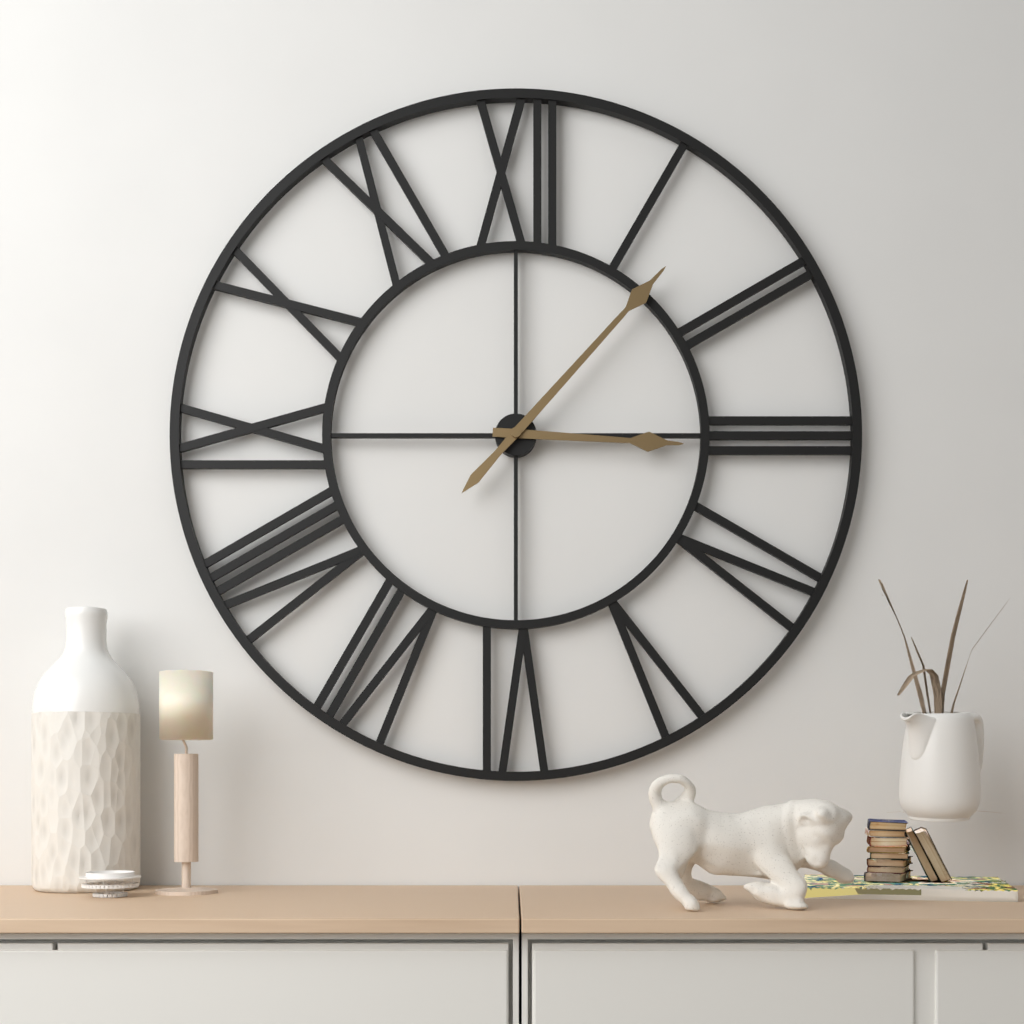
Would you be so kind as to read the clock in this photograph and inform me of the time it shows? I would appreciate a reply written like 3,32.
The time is 3,07
